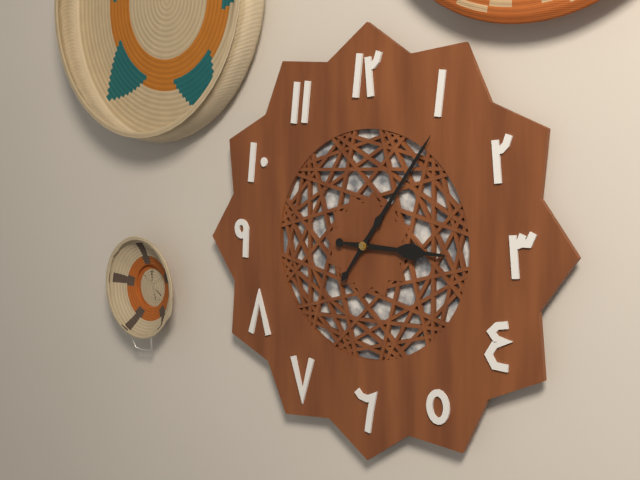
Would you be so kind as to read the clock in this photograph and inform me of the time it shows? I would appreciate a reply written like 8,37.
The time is 3,06
